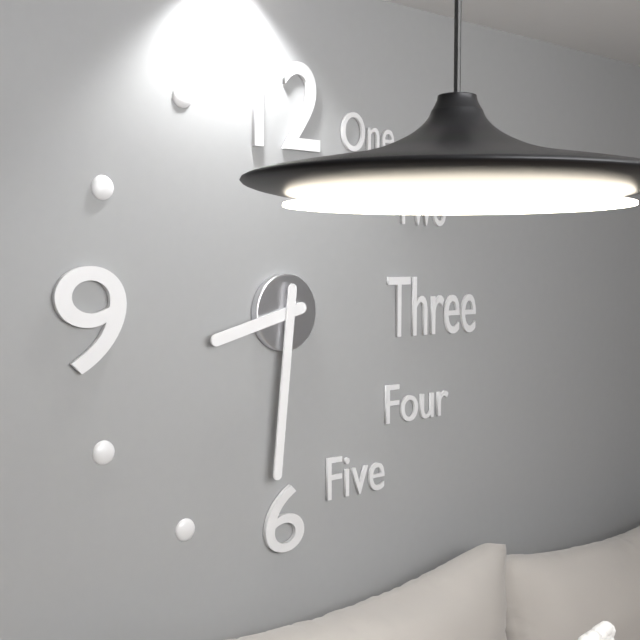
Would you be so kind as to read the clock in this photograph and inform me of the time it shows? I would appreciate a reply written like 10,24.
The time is 8,31
